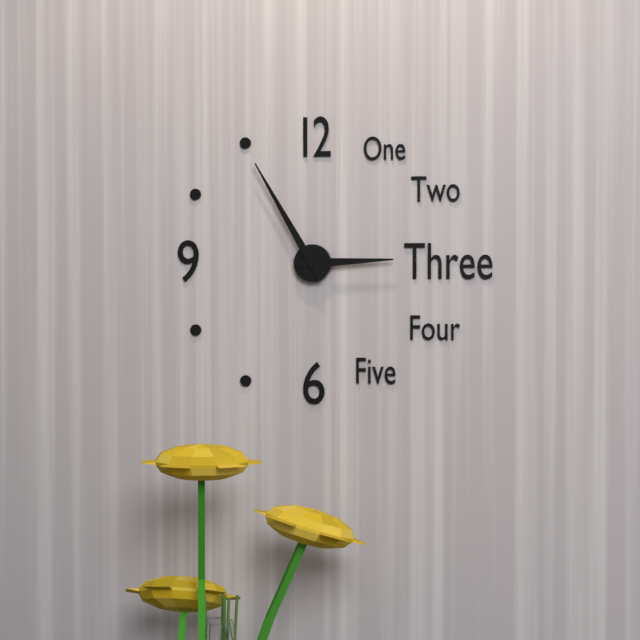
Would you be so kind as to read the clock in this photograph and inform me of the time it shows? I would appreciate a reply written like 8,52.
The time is 2,55
